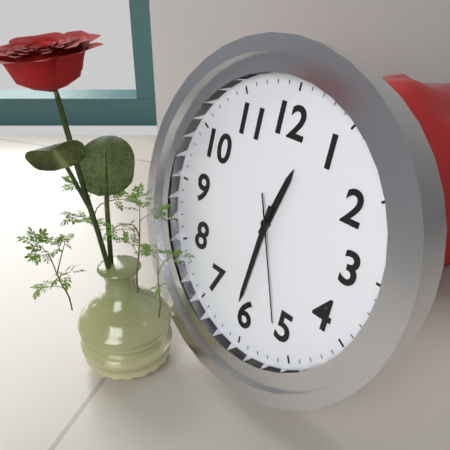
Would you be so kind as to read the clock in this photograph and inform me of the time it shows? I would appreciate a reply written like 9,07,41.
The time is 12,31,26
